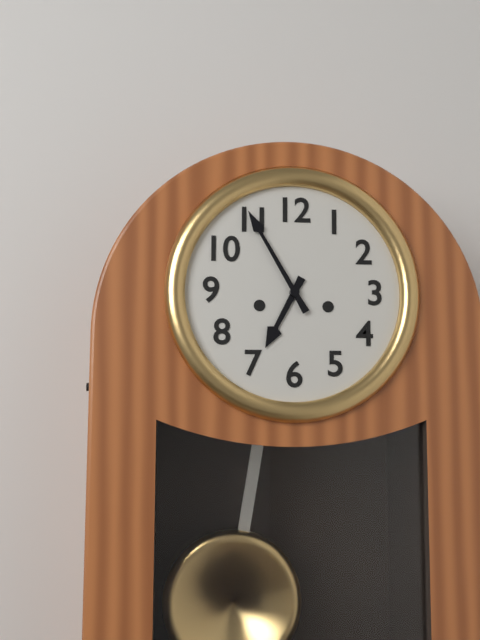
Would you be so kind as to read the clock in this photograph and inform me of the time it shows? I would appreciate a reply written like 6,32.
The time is 6,55
